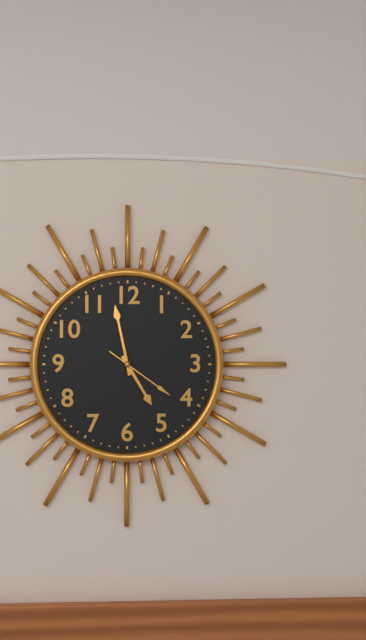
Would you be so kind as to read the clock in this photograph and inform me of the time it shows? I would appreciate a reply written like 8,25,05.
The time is 4,58,21
